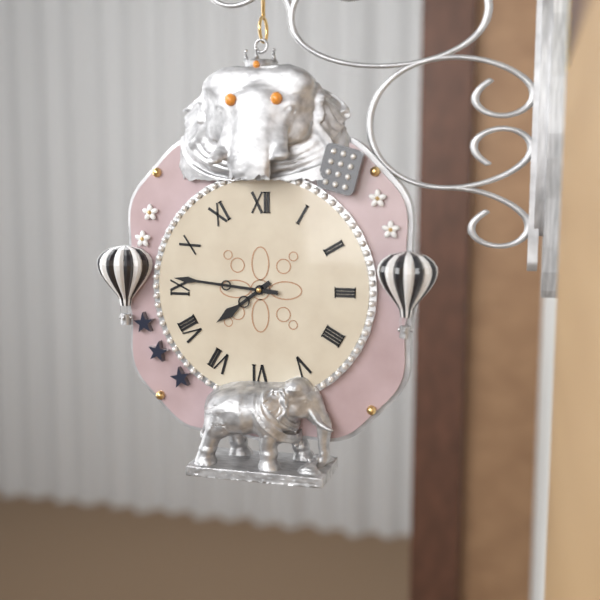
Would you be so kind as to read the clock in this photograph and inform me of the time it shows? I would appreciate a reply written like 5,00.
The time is 7,46
